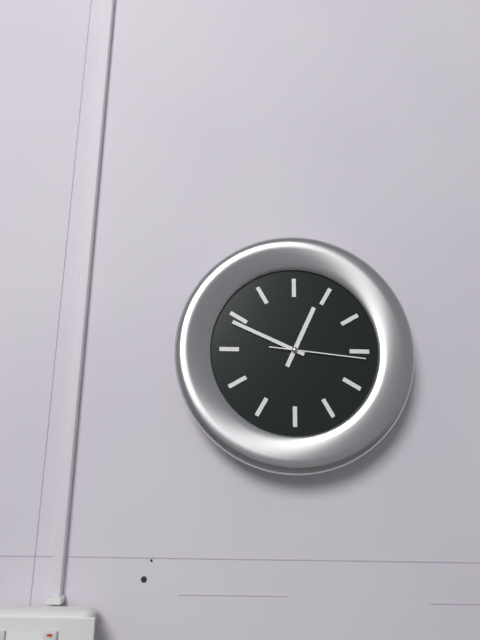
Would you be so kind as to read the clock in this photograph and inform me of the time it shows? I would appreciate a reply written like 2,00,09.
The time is 12,49,16
